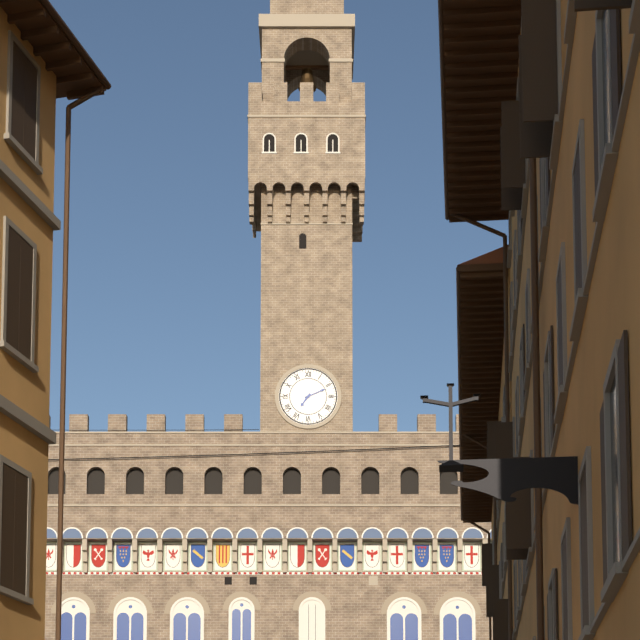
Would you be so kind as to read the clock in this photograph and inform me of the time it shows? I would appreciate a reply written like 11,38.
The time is 7,11
